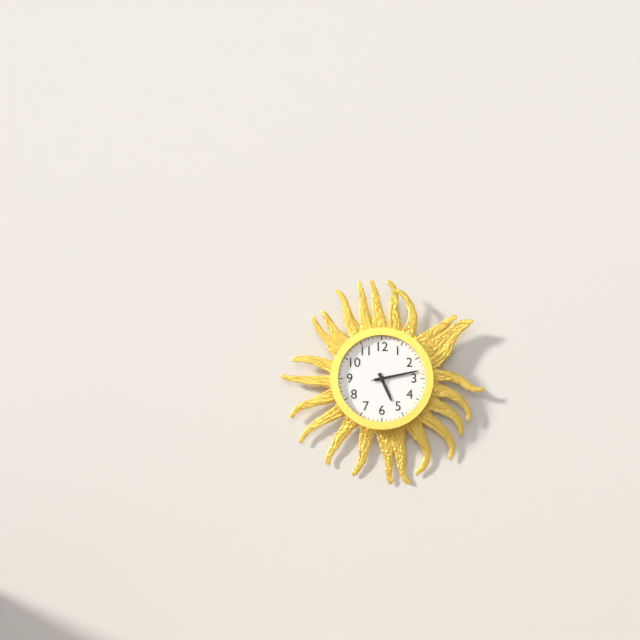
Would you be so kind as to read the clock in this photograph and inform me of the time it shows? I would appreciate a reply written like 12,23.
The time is 5,13
